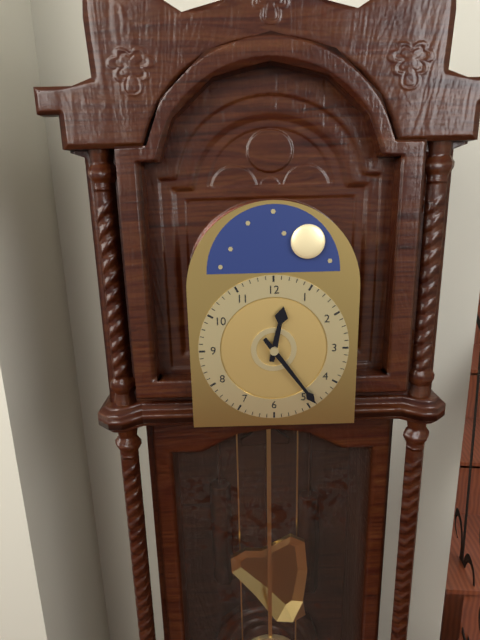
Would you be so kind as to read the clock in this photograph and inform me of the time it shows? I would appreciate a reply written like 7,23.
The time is 12,24
